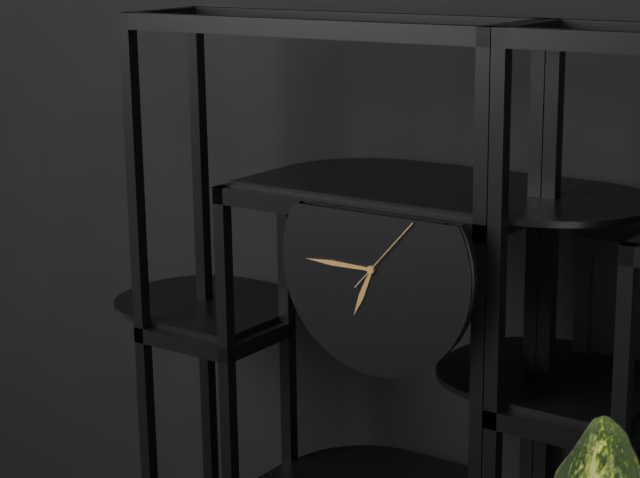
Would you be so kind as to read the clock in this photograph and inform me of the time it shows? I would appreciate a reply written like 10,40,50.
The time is 6,45,07
